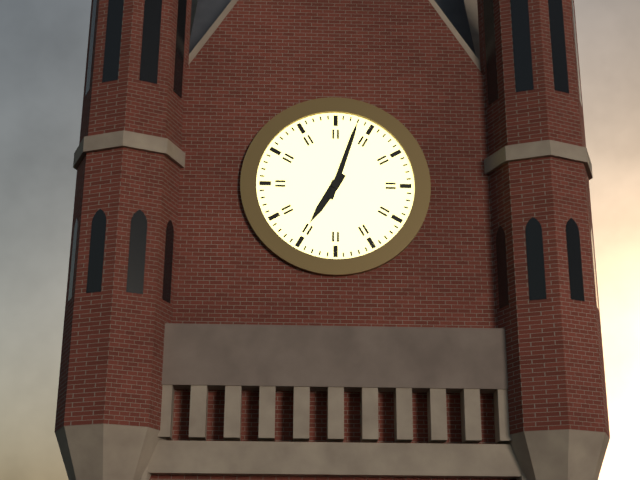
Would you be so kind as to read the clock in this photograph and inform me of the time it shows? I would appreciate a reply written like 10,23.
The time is 7,03
